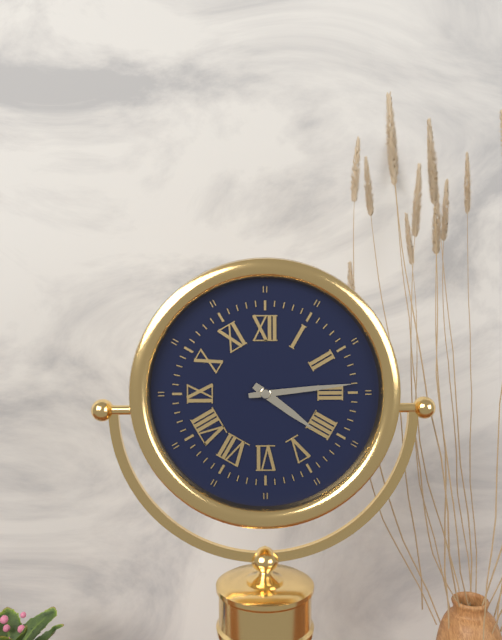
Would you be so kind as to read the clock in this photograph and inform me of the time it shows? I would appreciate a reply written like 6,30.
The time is 4,14
